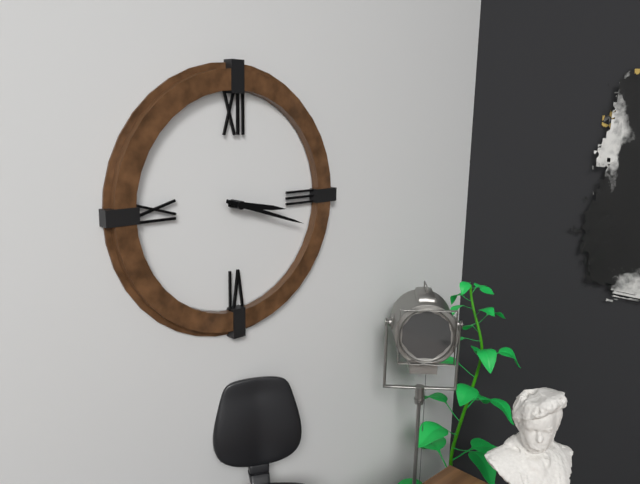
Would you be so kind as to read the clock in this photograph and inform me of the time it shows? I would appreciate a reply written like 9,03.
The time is 3,18
